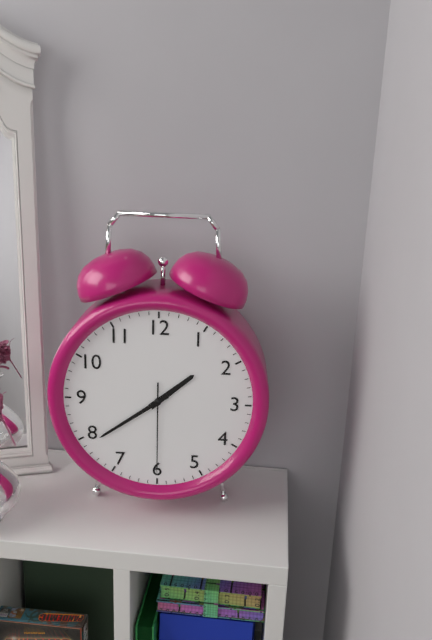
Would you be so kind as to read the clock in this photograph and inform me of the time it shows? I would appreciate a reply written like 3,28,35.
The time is 1,39,30
